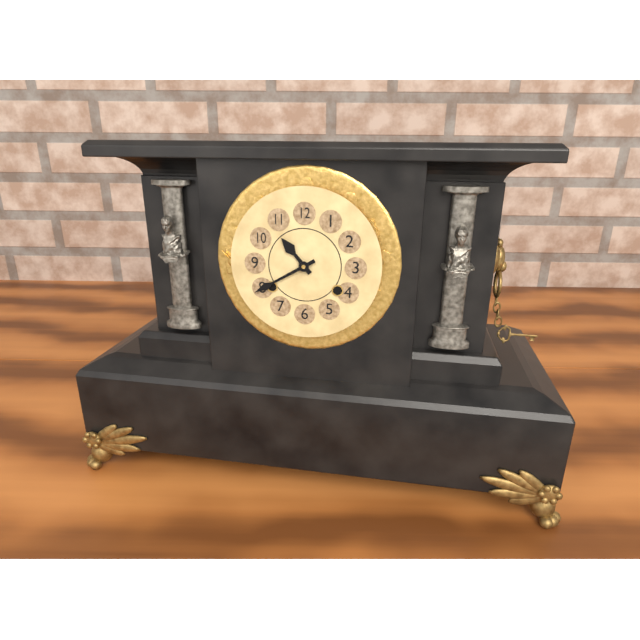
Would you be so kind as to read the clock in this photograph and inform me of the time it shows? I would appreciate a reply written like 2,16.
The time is 10,40
